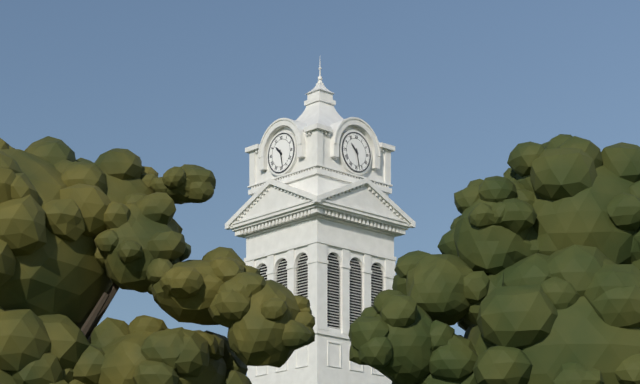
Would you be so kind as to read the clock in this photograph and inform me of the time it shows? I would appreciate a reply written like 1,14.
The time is 10,28
